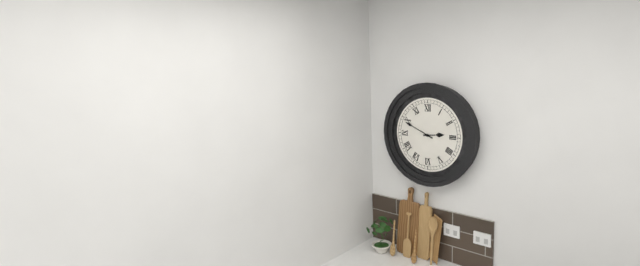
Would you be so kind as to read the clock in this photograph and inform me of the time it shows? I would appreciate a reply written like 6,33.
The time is 2,49
